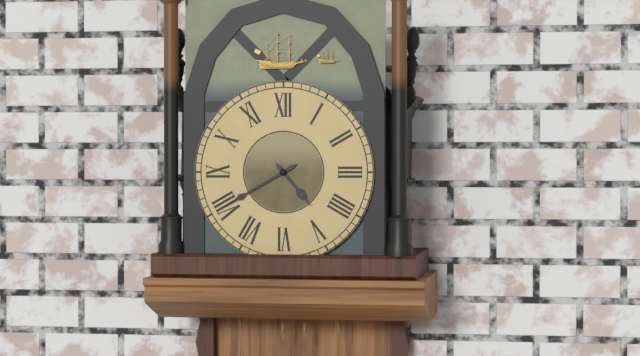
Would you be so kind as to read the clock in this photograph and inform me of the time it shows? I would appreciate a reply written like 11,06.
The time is 4,40
